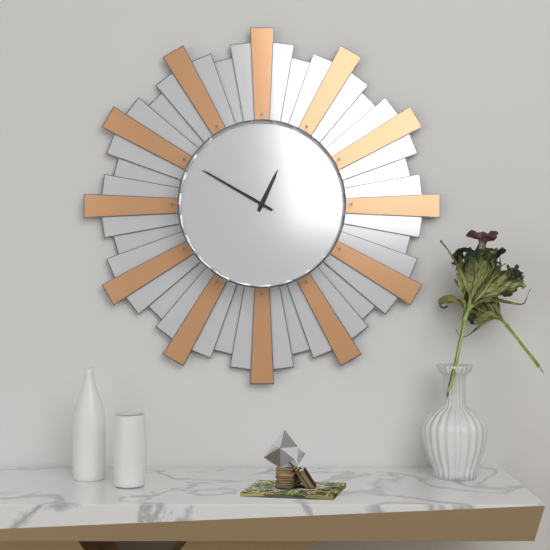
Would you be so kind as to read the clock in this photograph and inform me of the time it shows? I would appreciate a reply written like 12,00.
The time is 12,50
